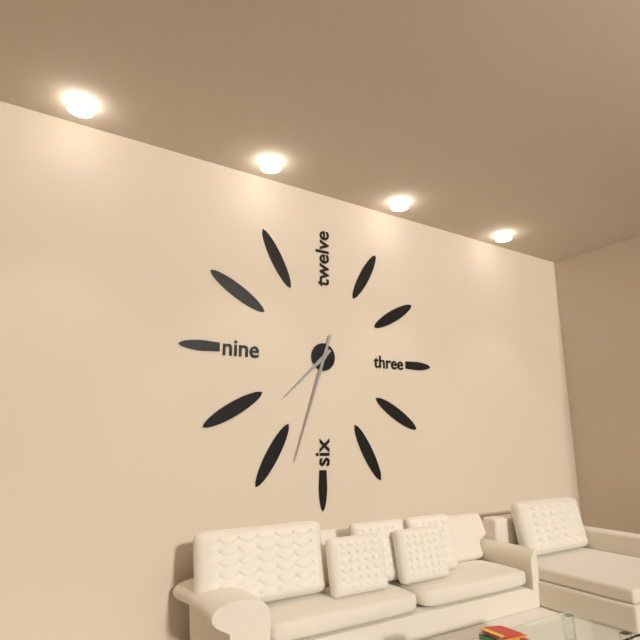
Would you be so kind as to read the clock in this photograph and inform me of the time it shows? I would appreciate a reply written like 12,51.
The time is 7,33
